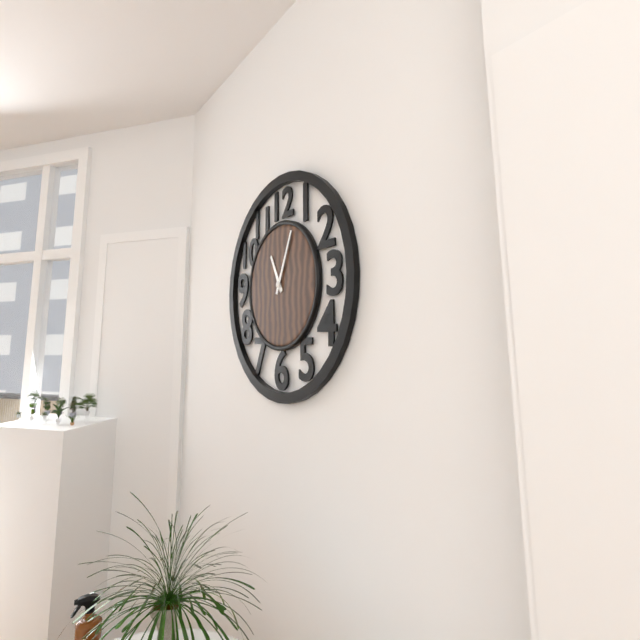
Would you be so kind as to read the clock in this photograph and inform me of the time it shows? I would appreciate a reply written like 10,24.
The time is 11,04
